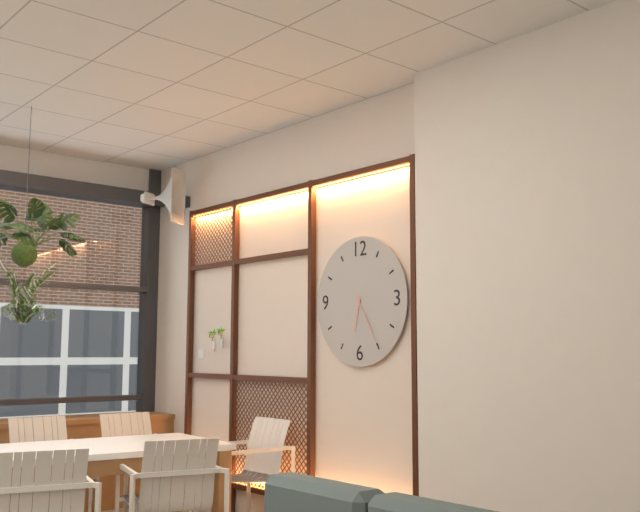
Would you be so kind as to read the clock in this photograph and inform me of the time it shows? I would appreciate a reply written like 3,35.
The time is 6,25
